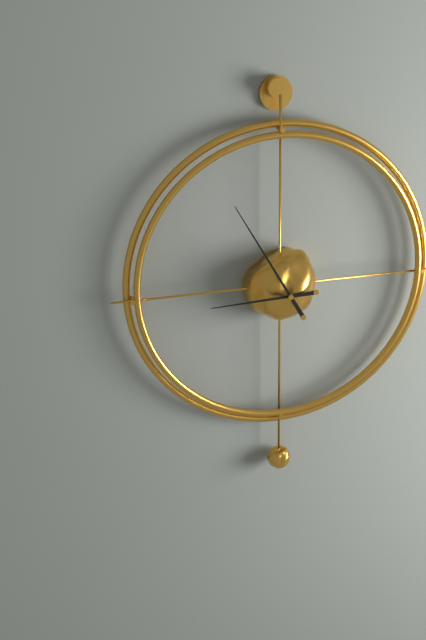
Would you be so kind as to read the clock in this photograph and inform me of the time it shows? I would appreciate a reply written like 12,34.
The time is 8,55
